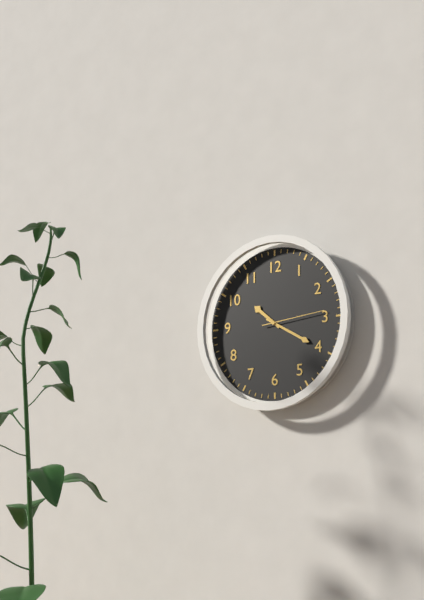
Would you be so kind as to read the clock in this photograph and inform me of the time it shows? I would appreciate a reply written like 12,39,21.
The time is 10,20,14
